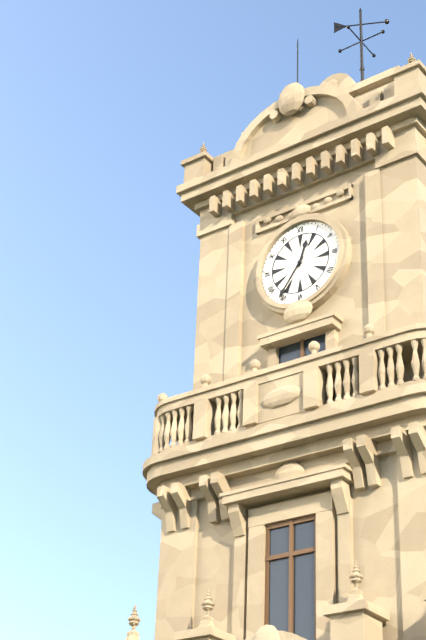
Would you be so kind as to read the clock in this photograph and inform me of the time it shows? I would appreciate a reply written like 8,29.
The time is 12,36
